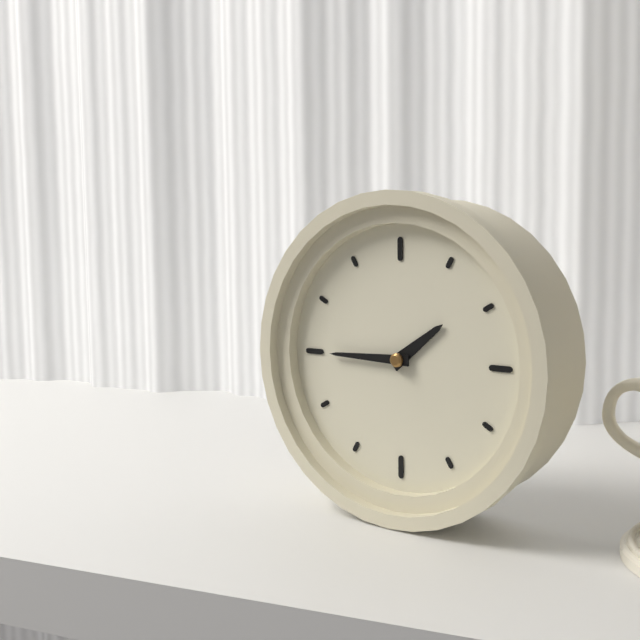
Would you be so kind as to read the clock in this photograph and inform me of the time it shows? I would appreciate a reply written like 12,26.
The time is 1,45
